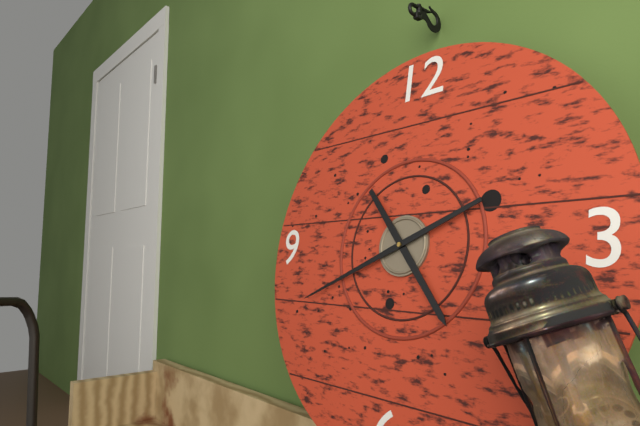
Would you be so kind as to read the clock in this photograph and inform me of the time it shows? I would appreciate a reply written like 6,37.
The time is 4,41
